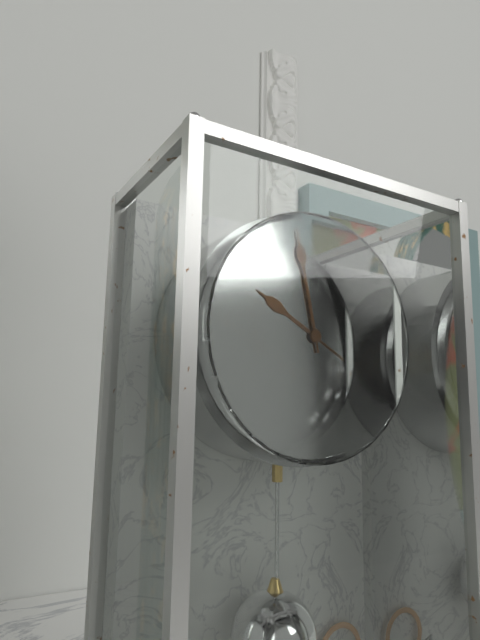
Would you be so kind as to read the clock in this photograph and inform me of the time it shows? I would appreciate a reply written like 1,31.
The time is 9,58
